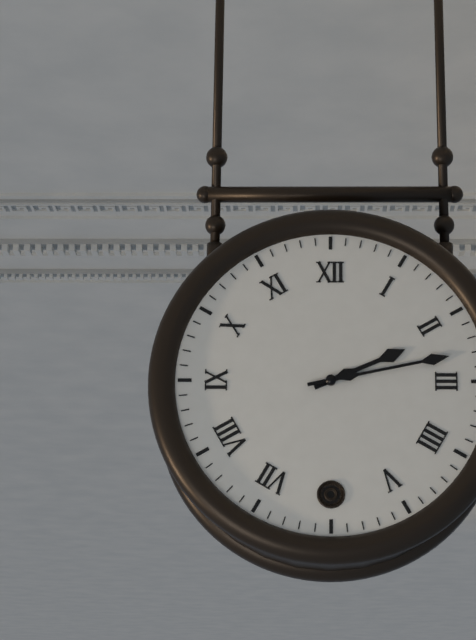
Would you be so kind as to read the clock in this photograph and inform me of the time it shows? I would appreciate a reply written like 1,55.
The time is 2,13
